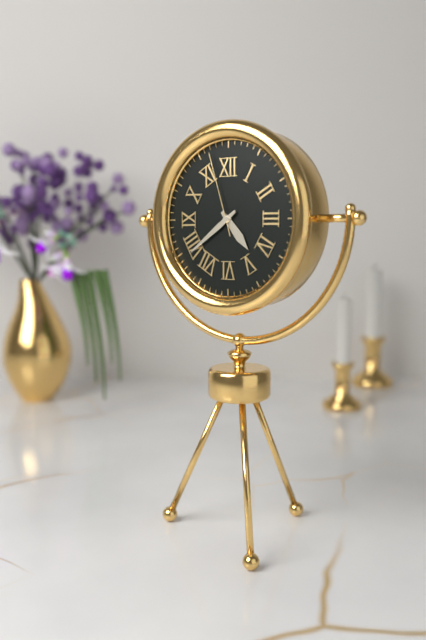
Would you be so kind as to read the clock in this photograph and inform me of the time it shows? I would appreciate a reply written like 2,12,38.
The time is 4,39,57
